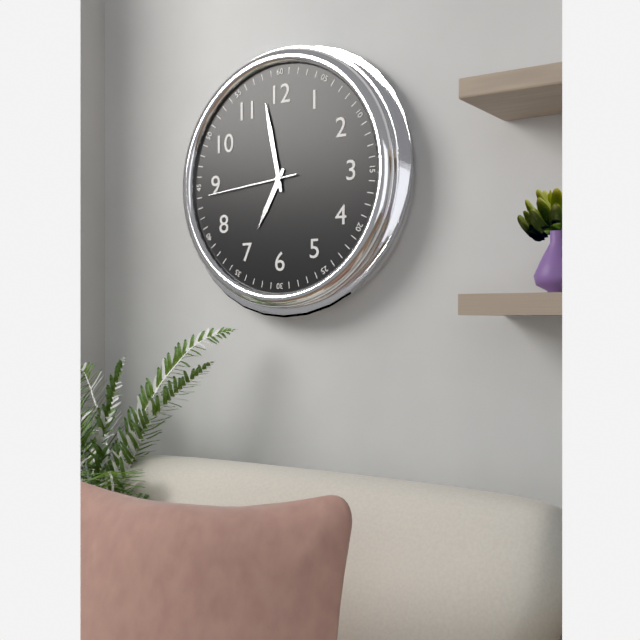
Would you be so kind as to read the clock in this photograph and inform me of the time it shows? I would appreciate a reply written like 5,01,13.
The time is 6,58,44
